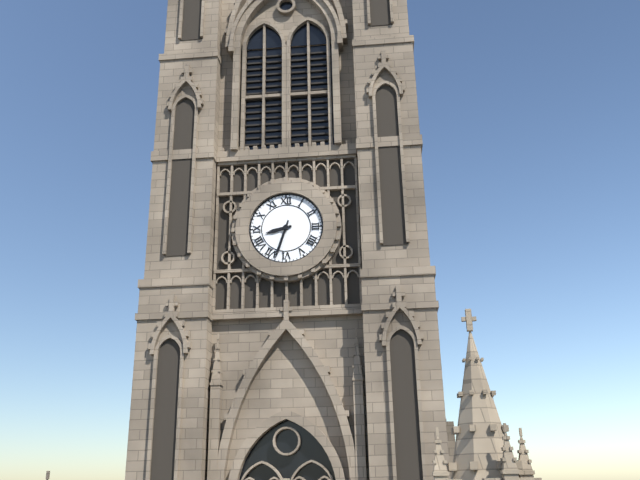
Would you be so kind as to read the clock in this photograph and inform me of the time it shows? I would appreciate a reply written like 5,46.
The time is 8,33
